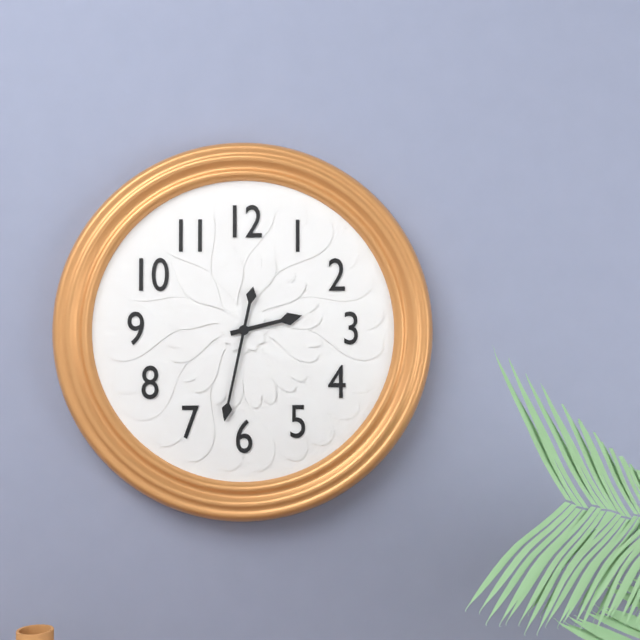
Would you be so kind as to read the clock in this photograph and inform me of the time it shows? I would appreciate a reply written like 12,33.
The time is 2,32
